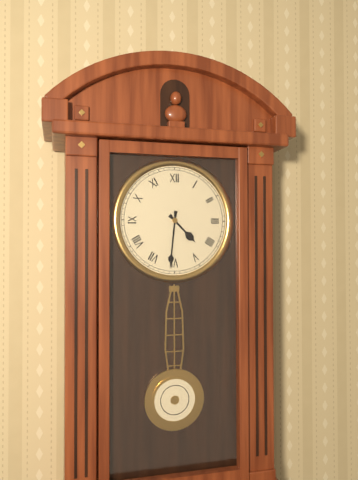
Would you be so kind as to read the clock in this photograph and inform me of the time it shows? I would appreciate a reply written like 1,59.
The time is 4,31
